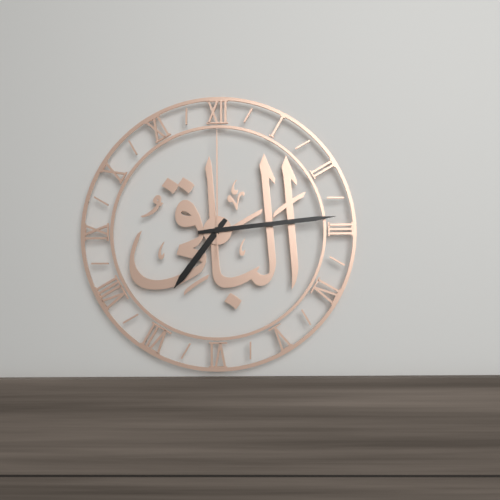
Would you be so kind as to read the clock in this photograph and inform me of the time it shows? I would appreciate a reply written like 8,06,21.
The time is 7,14,00
